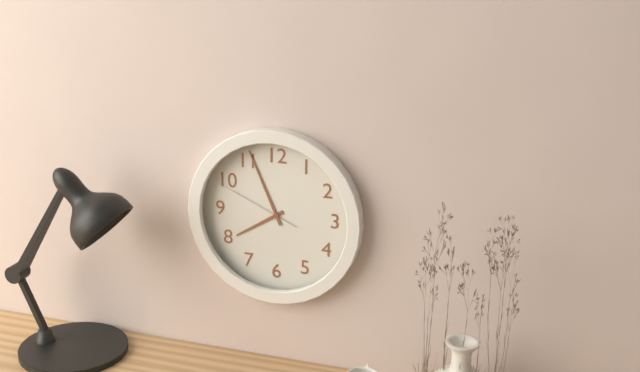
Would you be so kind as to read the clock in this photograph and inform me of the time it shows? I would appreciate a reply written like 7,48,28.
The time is 7,56,49
